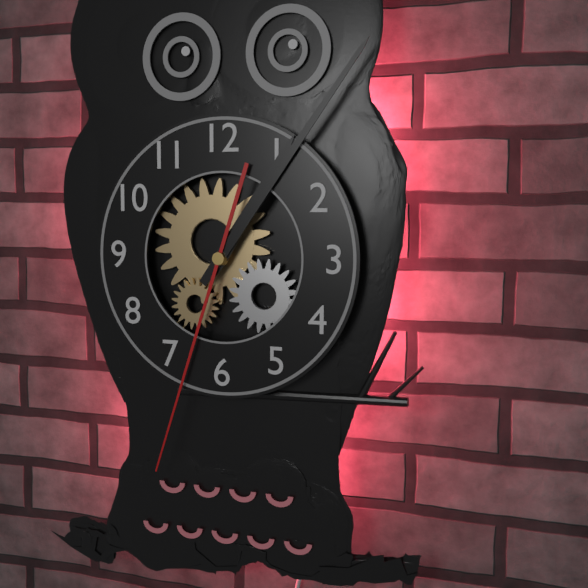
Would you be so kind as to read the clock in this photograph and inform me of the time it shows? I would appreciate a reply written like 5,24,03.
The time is 1,06,33
